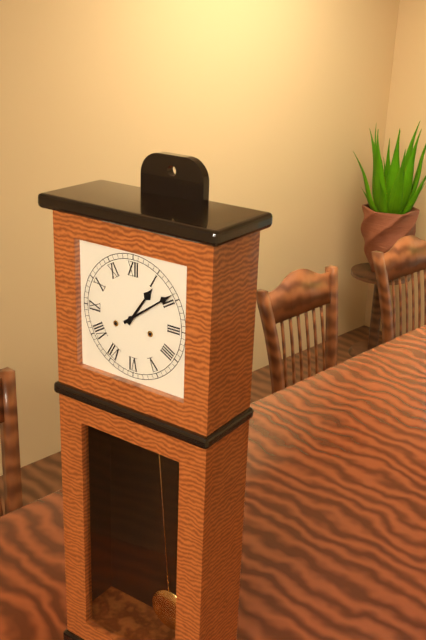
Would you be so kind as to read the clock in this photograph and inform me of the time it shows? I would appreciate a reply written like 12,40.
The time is 1,09
